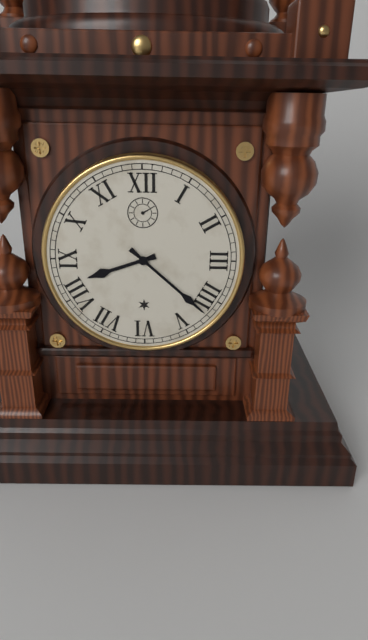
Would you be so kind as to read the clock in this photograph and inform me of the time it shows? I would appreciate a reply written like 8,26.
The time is 8,22
